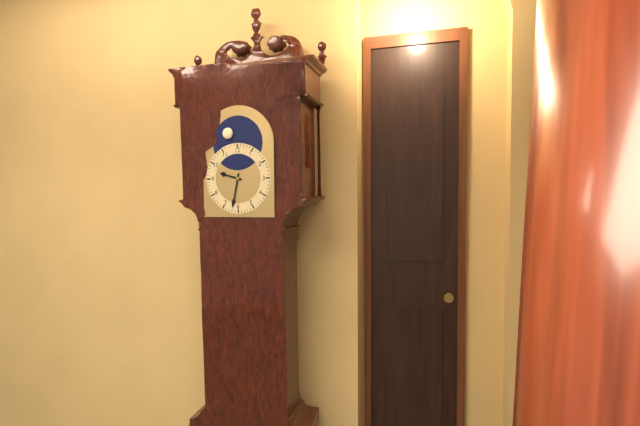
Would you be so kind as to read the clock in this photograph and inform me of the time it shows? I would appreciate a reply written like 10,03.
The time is 9,32
